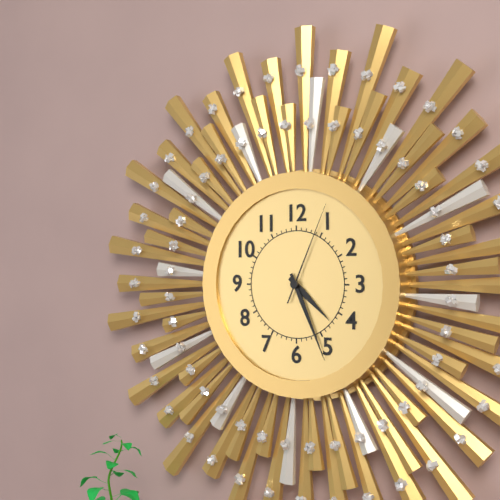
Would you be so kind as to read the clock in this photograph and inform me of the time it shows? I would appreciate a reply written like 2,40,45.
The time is 4,26,04
